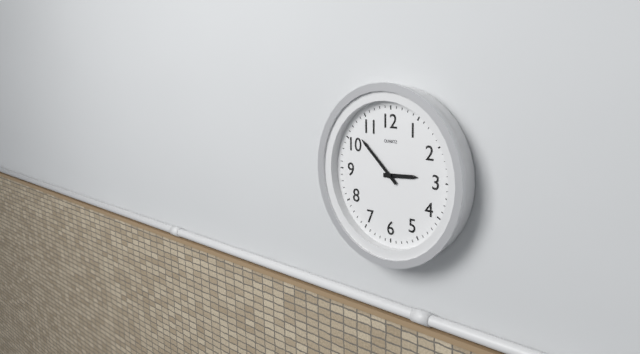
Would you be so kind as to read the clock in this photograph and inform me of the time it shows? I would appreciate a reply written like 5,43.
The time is 2,52
